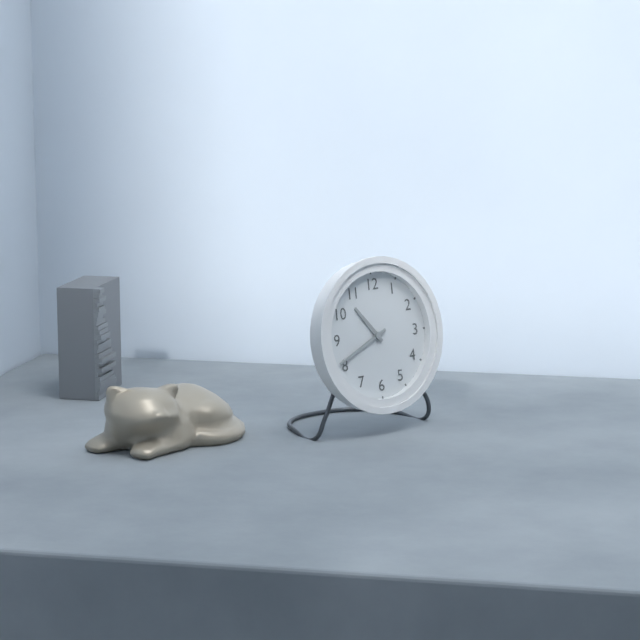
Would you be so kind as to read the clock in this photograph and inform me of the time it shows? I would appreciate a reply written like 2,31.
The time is 10,41
